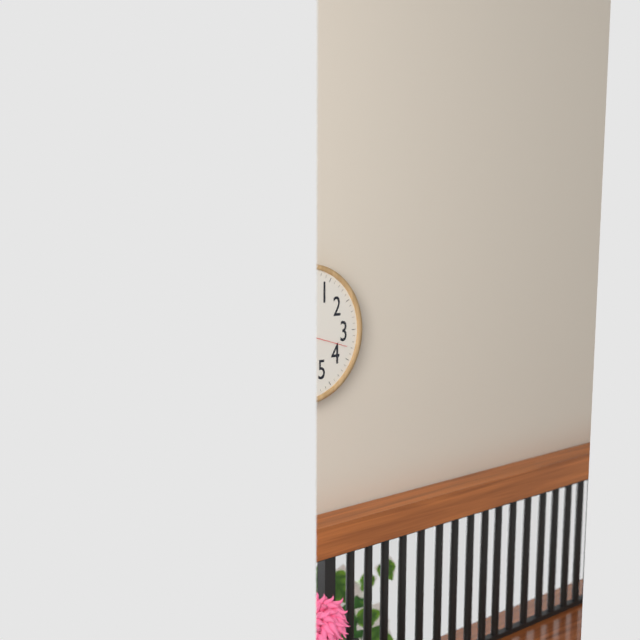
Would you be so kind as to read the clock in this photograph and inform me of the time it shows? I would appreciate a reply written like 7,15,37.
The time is 7,53,18
